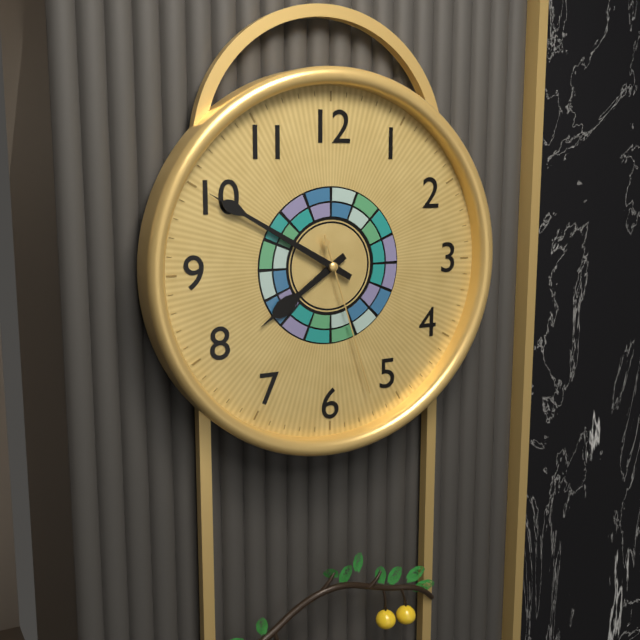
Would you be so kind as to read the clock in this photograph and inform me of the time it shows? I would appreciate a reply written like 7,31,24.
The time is 7,50,27
